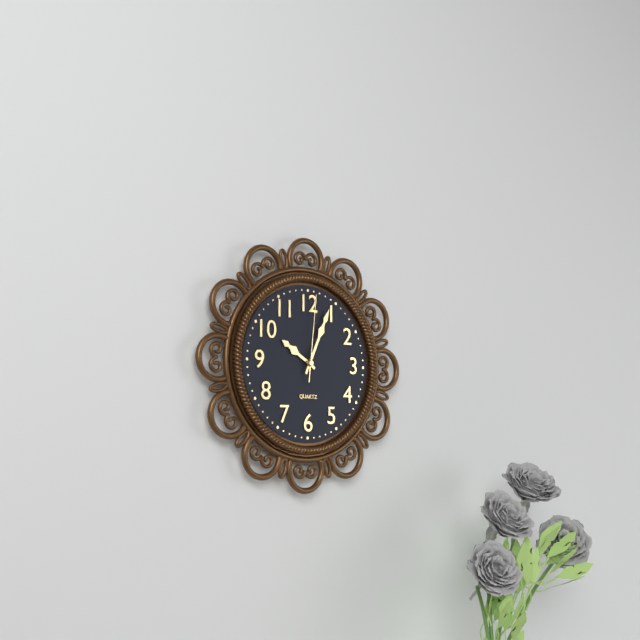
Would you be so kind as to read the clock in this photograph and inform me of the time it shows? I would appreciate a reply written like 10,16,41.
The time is 10,04,01
